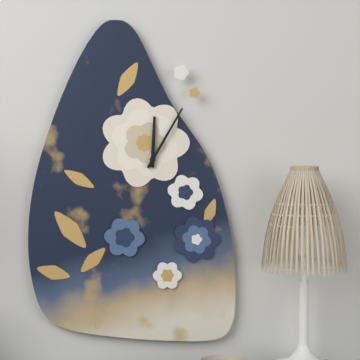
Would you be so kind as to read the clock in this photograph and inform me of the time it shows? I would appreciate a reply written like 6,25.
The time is 12,05
